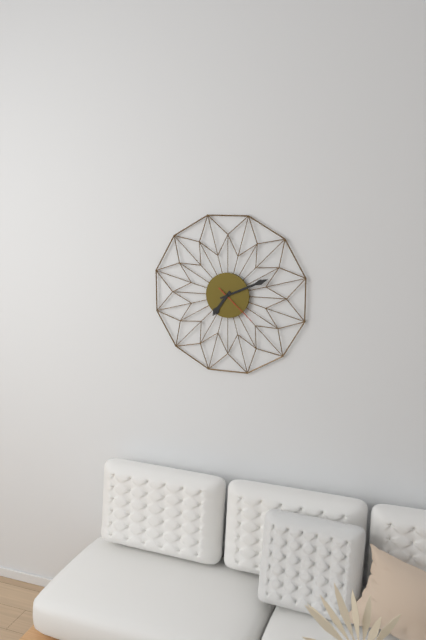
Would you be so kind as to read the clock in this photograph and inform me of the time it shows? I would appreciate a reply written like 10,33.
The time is 7,11
